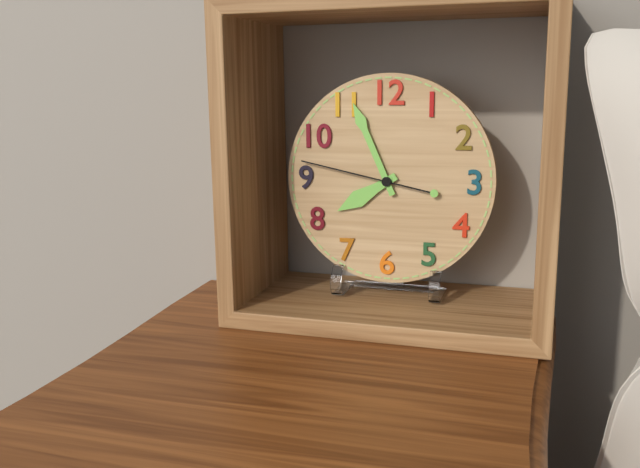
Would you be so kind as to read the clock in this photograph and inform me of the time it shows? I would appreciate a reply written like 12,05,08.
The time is 7,56,47
